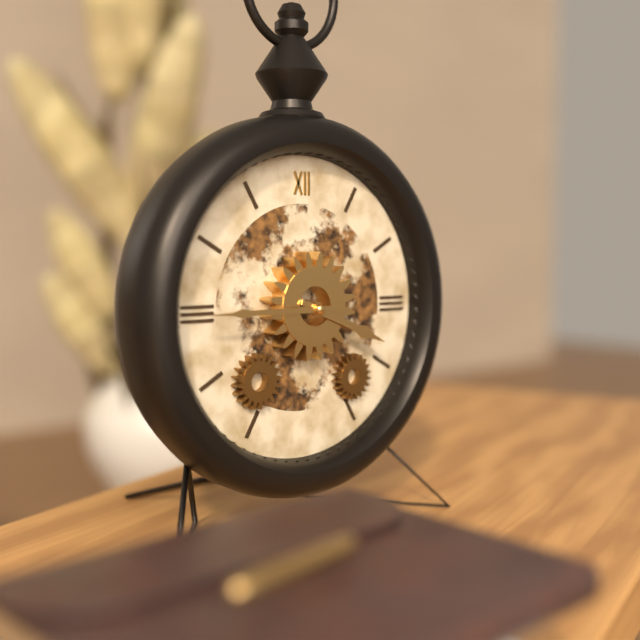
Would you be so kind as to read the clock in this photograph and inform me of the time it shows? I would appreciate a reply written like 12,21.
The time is 3,45
